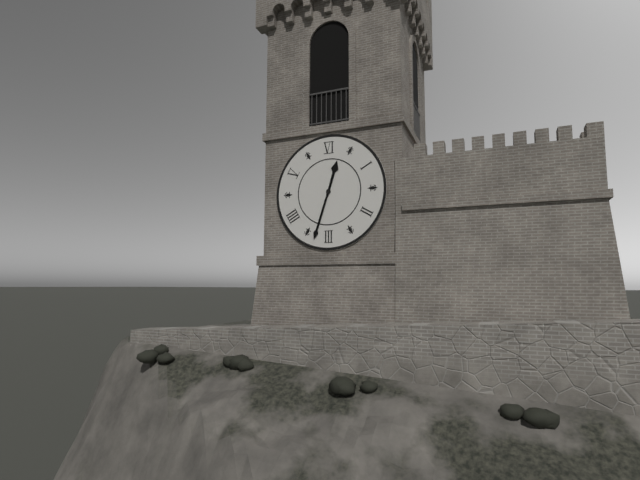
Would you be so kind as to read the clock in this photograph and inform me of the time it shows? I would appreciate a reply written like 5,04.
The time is 12,33
